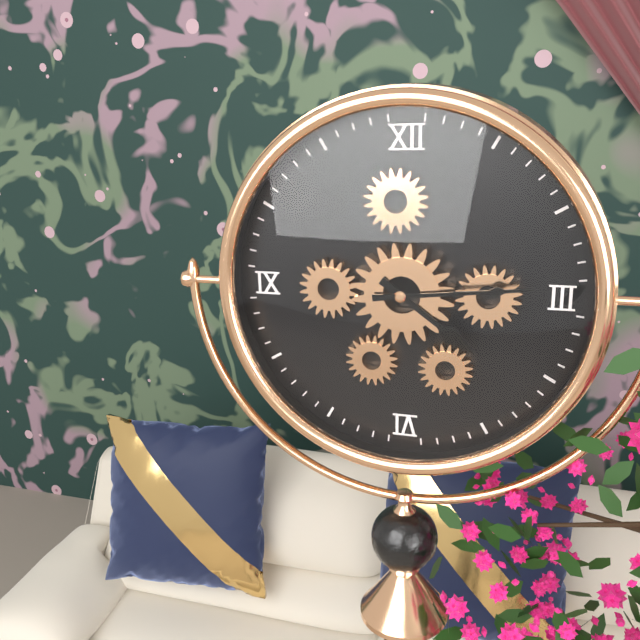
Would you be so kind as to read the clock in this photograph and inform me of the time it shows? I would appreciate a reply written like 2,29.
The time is 4,14
